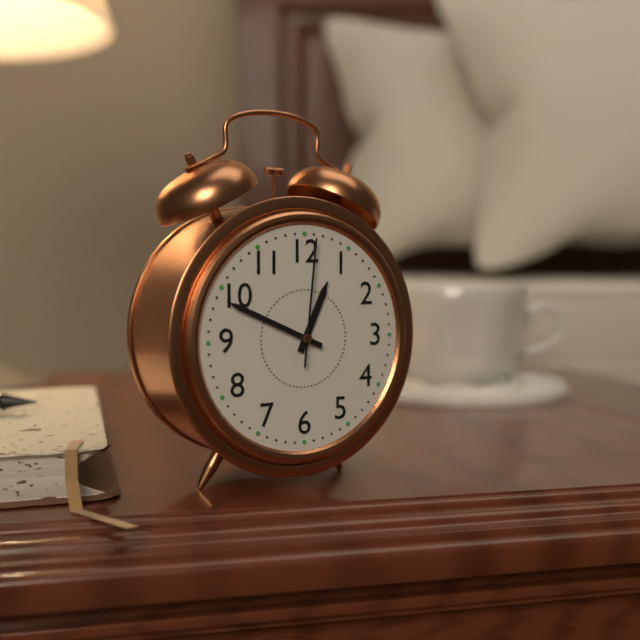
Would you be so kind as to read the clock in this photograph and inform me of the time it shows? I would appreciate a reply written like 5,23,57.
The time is 12,49,01
